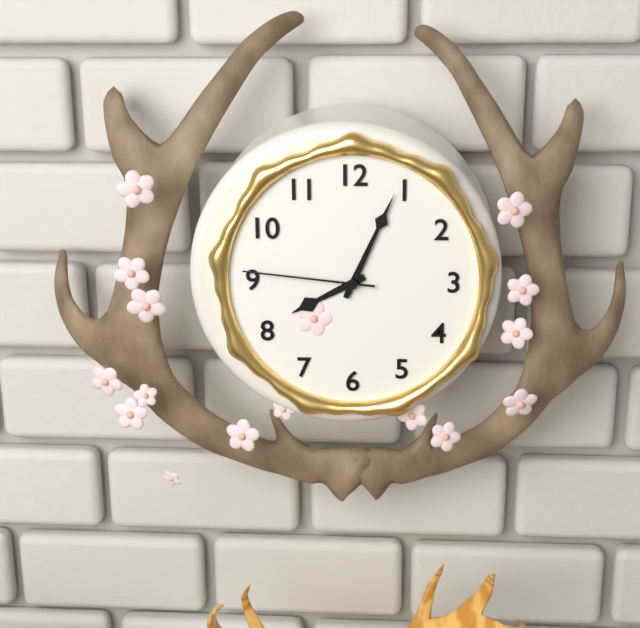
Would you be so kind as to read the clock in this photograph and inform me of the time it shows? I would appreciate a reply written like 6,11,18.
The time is 8,04,46
